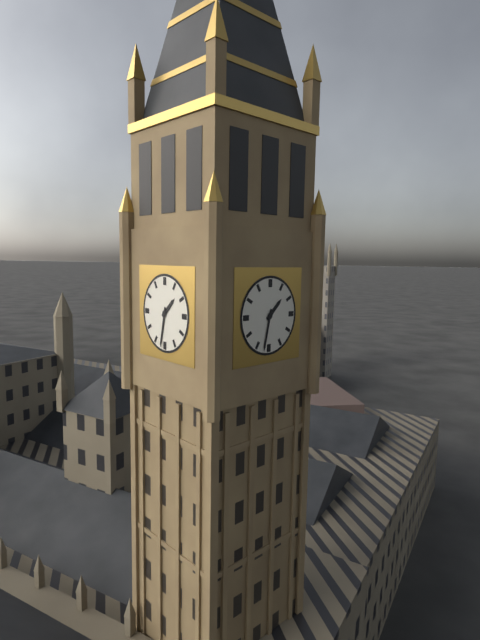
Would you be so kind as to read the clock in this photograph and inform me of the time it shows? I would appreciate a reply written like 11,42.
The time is 1,32
